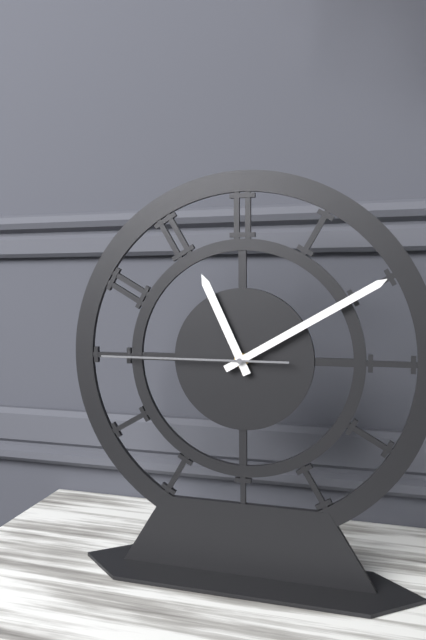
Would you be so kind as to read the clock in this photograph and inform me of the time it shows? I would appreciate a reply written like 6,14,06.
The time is 11,10,45
